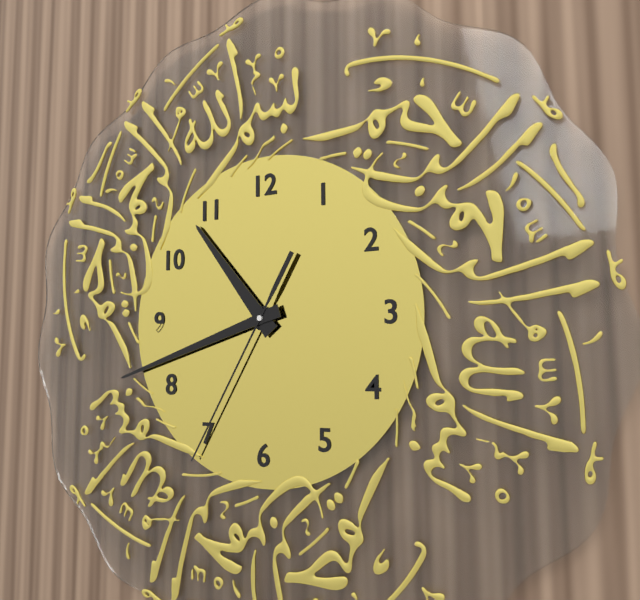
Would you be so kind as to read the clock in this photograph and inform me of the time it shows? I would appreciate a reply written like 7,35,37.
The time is 10,42,35
